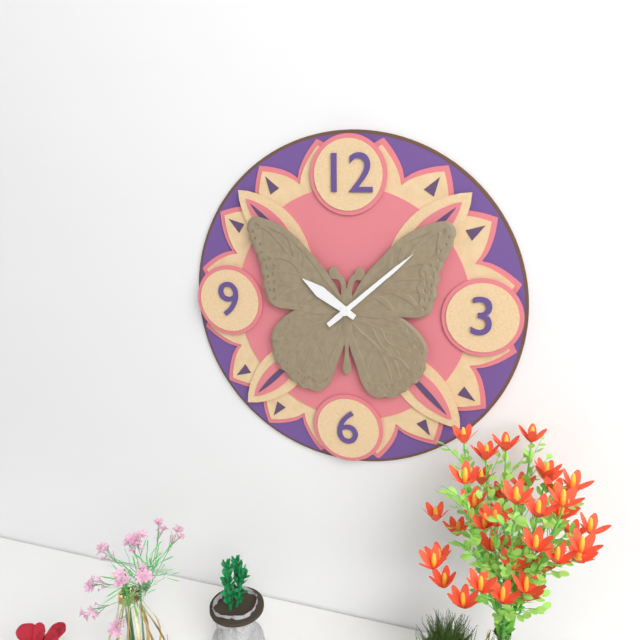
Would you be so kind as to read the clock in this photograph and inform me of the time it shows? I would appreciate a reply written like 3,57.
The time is 10,08
